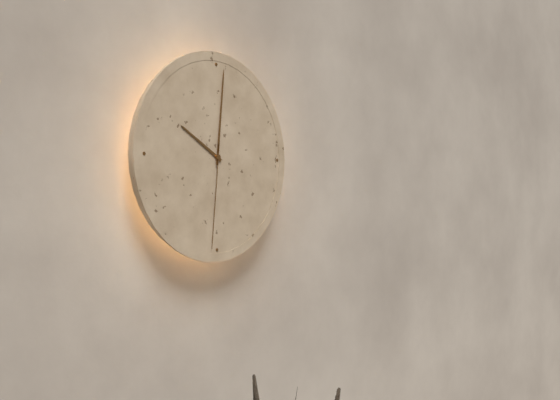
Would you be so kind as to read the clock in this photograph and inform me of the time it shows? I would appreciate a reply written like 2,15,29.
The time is 10,01,31
